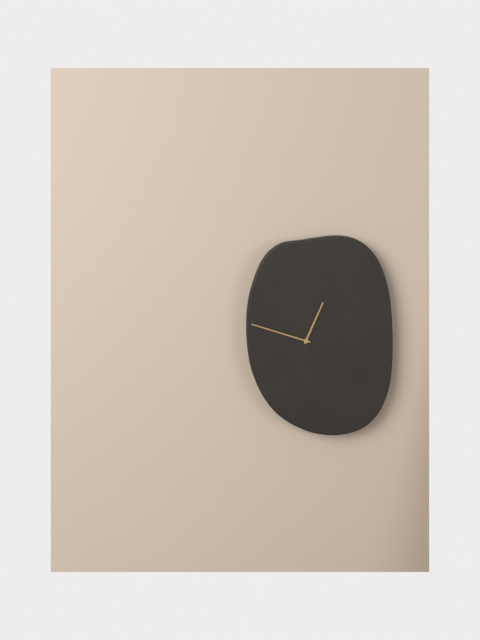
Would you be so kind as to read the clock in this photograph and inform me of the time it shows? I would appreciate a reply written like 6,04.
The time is 12,48
